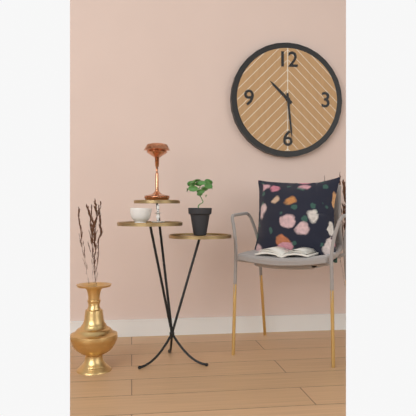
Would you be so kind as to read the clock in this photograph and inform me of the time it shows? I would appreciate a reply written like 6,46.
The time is 10,29
